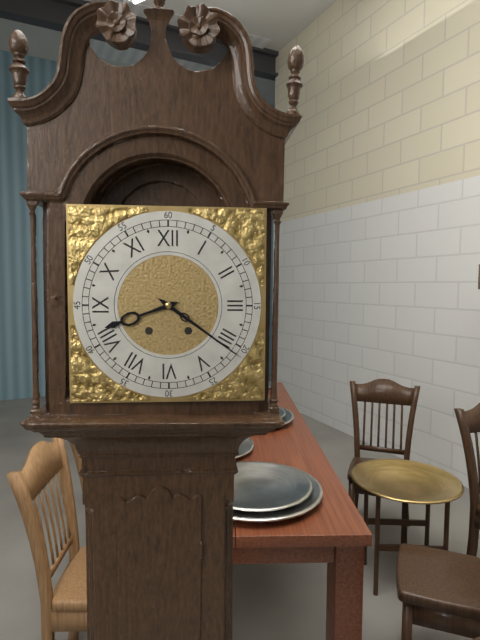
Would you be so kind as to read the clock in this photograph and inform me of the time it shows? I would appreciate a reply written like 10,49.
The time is 8,21
